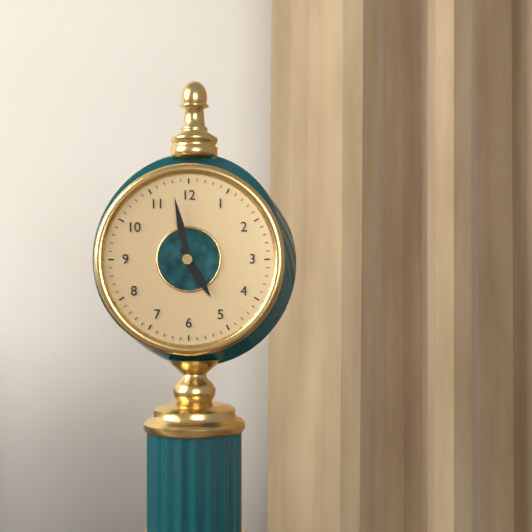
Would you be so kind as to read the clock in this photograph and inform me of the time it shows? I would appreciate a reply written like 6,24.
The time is 4,58
